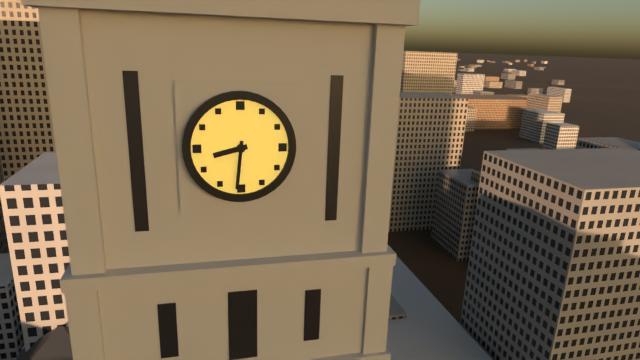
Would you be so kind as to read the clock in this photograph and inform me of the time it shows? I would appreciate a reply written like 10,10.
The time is 8,31
